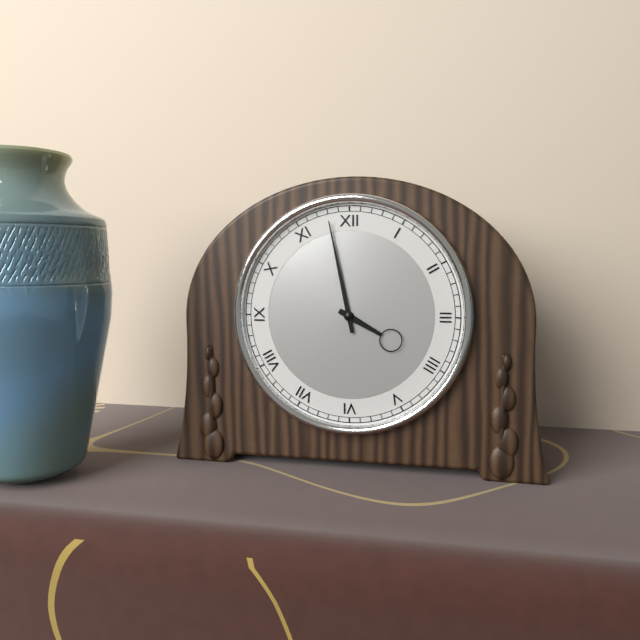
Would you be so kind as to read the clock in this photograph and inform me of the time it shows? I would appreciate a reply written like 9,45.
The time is 3,58
